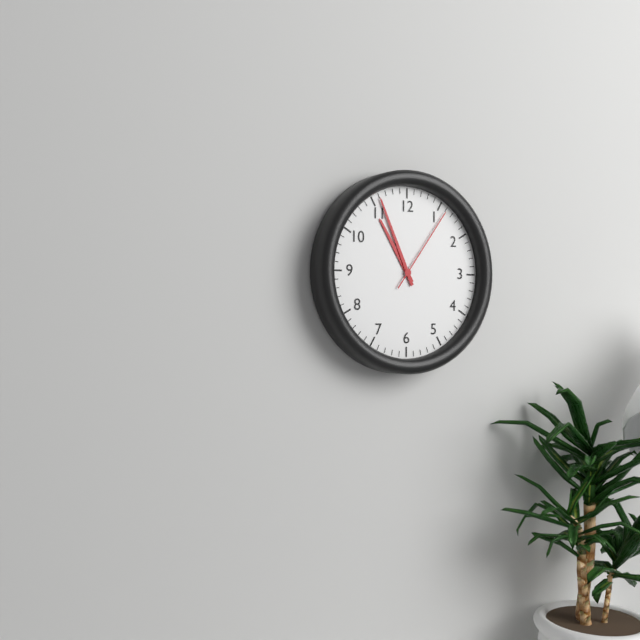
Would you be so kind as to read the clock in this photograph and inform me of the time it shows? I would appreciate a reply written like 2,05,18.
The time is 10,56,06
